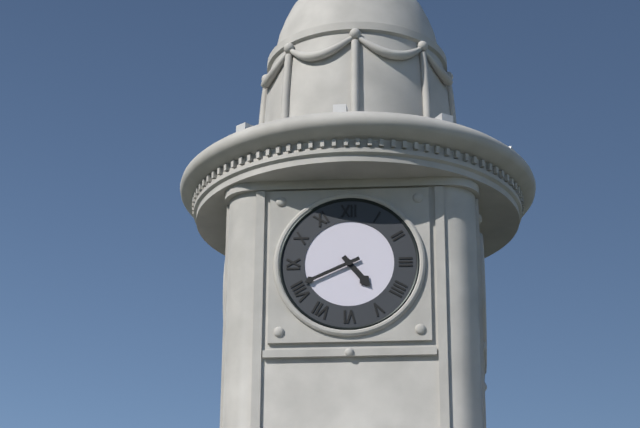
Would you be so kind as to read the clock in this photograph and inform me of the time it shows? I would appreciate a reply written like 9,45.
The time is 4,41
